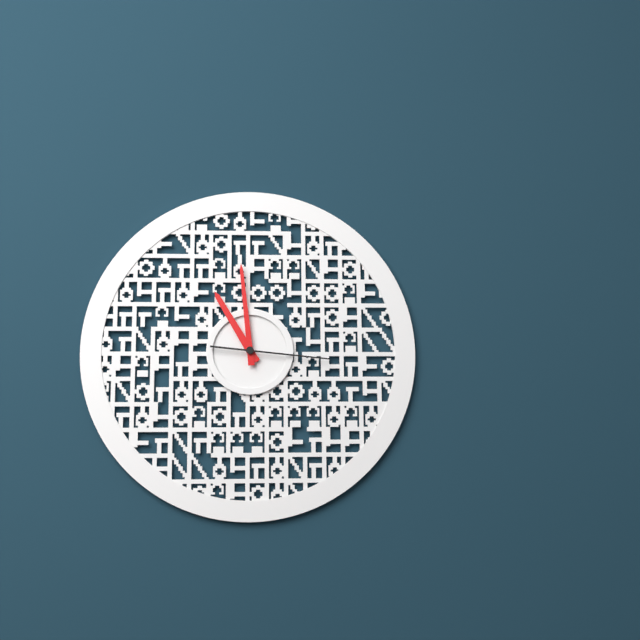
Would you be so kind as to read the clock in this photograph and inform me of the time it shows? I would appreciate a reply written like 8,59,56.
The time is 10,59,16
